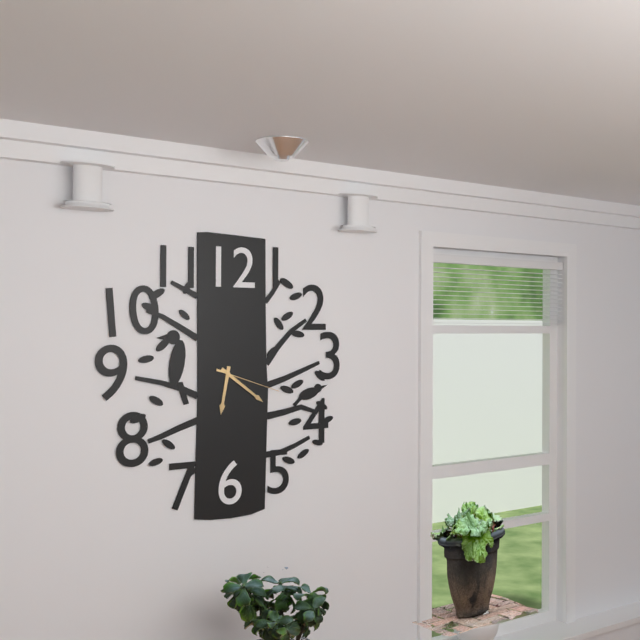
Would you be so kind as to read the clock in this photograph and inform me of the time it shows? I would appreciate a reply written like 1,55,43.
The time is 6,21,18
